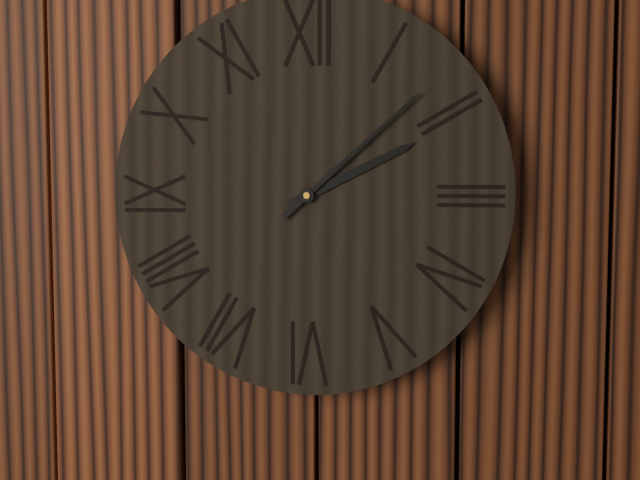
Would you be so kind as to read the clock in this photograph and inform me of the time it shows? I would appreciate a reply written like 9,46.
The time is 2,08
